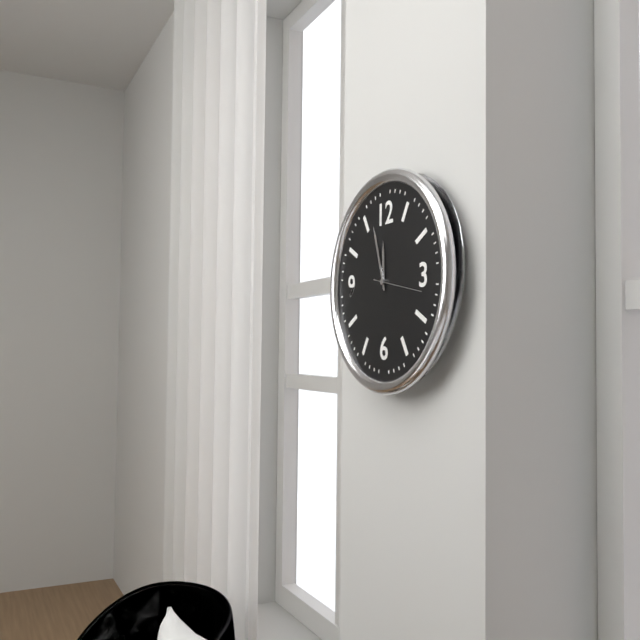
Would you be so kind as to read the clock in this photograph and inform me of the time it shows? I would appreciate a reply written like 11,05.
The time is 11,57
